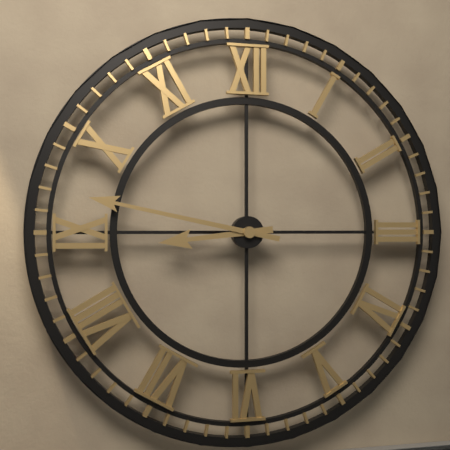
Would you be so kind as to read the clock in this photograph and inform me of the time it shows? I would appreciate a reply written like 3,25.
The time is 8,47
